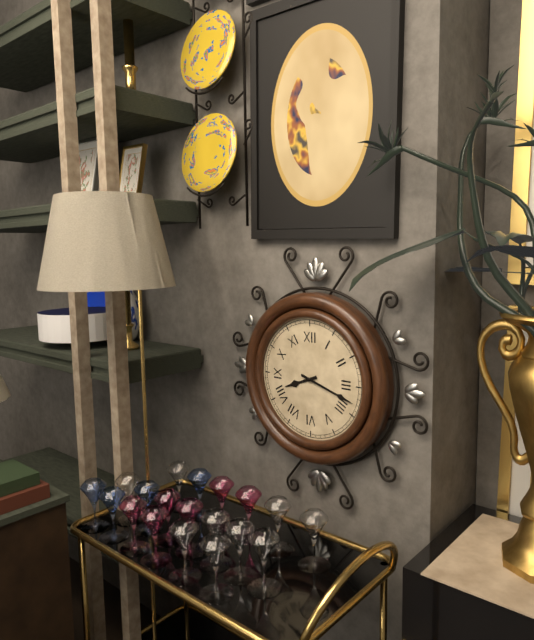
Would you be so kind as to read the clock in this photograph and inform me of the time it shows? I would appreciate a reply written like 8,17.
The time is 8,18
